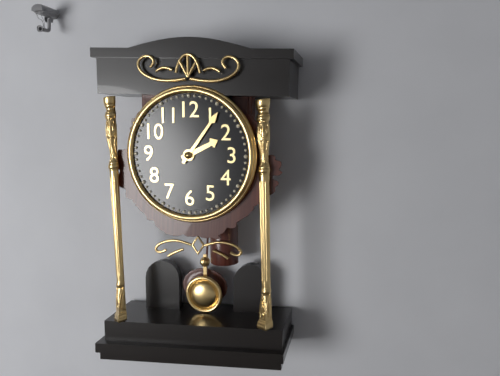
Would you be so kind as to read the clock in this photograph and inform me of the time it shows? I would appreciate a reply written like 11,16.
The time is 2,06
